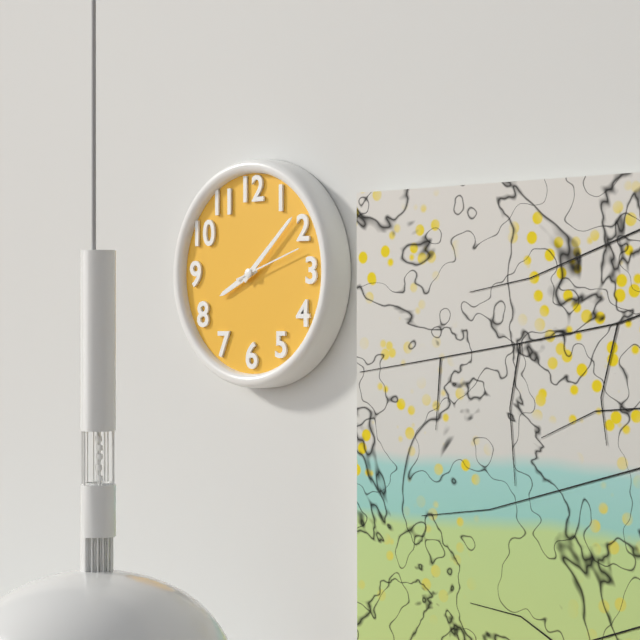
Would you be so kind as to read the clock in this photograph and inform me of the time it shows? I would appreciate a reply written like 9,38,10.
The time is 8,08,12
